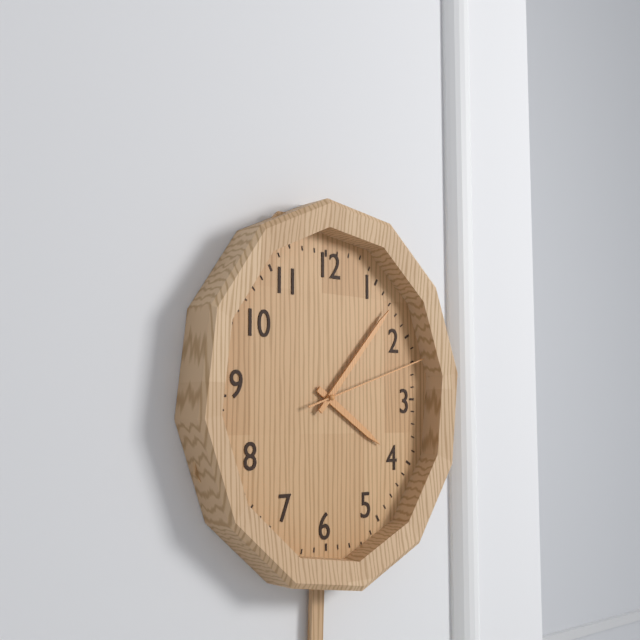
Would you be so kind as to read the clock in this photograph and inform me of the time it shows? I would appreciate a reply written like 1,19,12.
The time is 4,07,12
